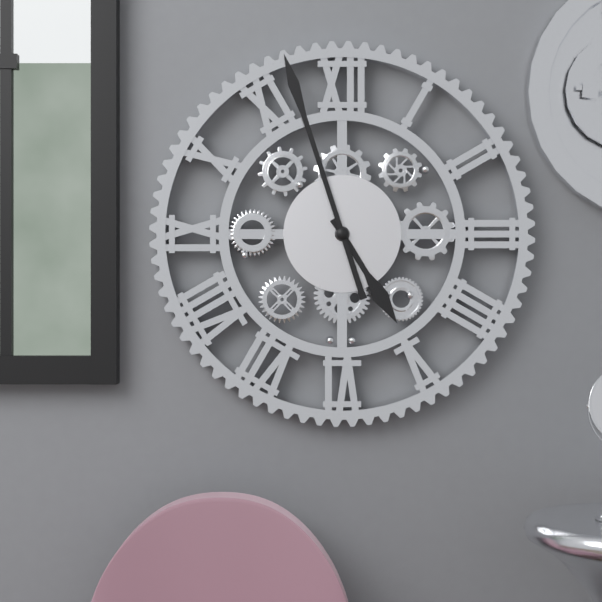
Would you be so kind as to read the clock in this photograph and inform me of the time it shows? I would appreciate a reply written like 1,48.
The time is 4,57
